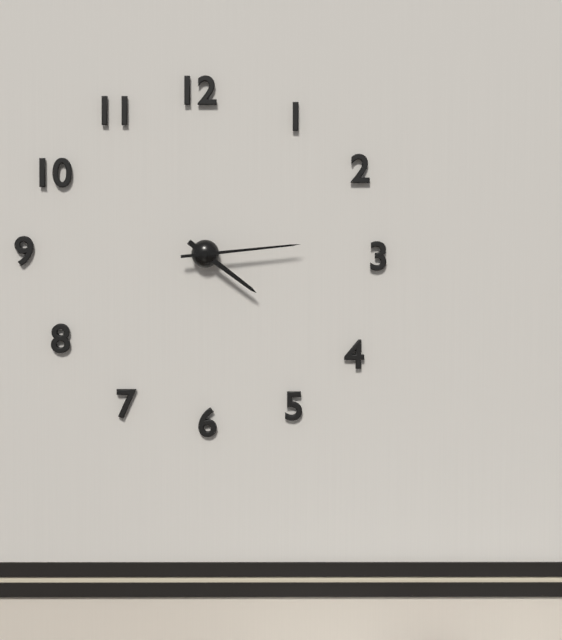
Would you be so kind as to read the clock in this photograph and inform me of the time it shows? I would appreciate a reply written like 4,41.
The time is 4,14
